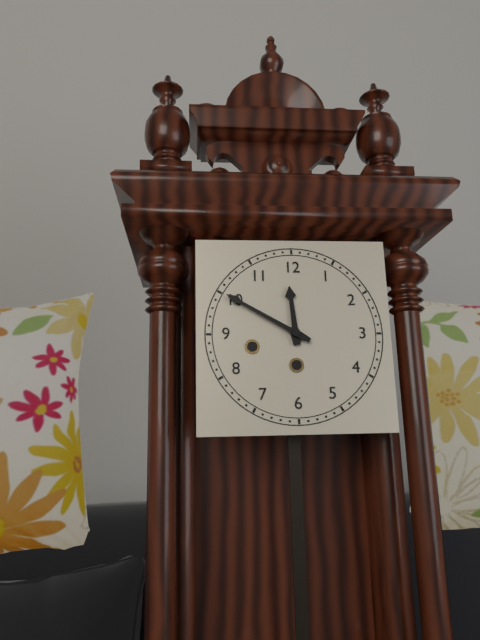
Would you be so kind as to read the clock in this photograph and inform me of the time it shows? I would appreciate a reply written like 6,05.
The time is 11,50
